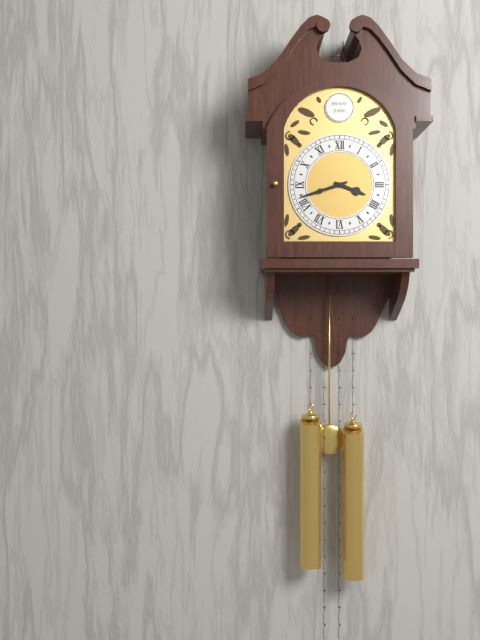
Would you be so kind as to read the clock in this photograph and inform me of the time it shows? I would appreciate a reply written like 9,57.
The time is 3,42
